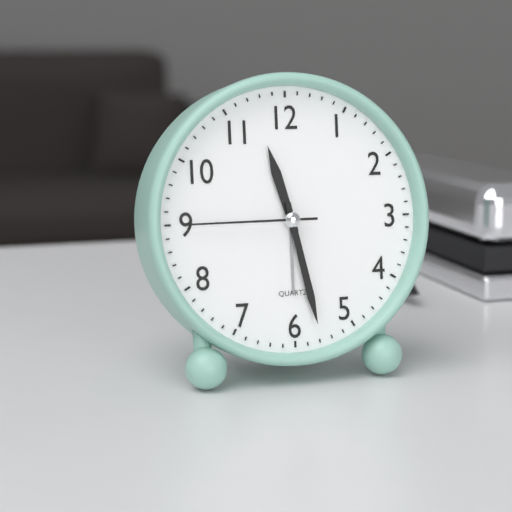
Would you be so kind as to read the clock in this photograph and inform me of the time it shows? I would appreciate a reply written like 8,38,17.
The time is 11,28,45
